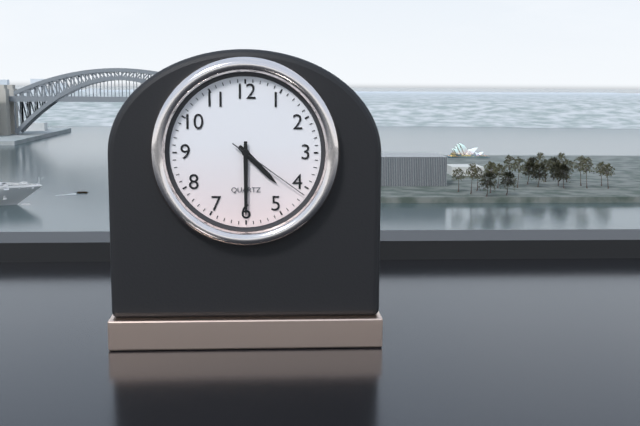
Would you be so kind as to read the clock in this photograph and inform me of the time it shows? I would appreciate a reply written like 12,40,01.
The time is 4,30,21
